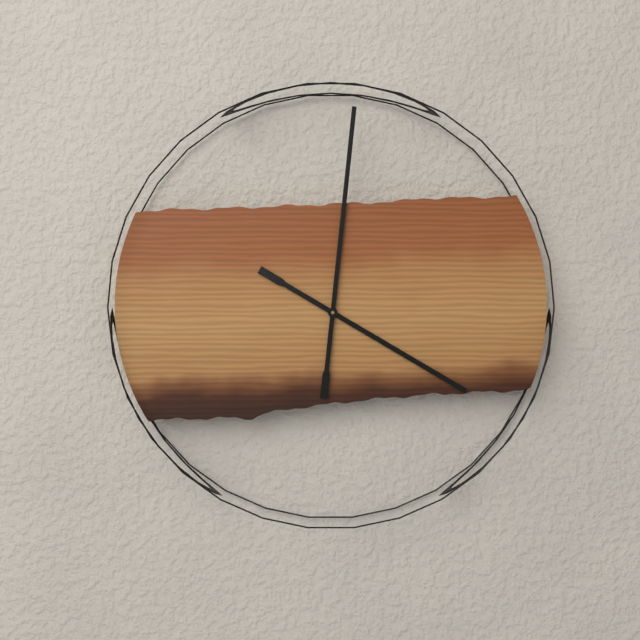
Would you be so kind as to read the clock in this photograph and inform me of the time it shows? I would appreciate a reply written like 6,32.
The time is 4,01
